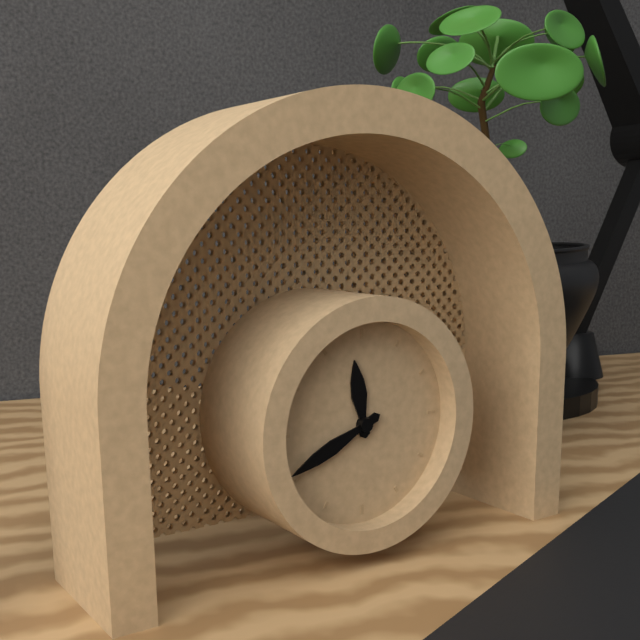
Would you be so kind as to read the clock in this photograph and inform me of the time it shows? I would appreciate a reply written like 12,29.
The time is 11,41
